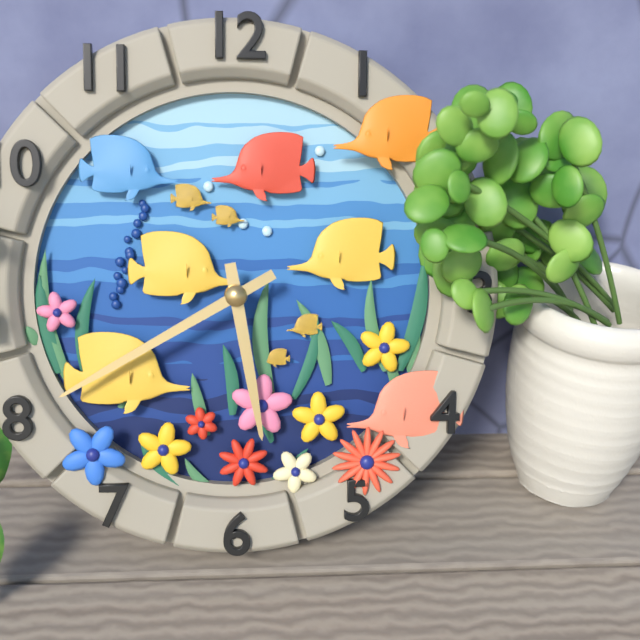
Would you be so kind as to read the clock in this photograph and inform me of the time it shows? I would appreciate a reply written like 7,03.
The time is 5,40
